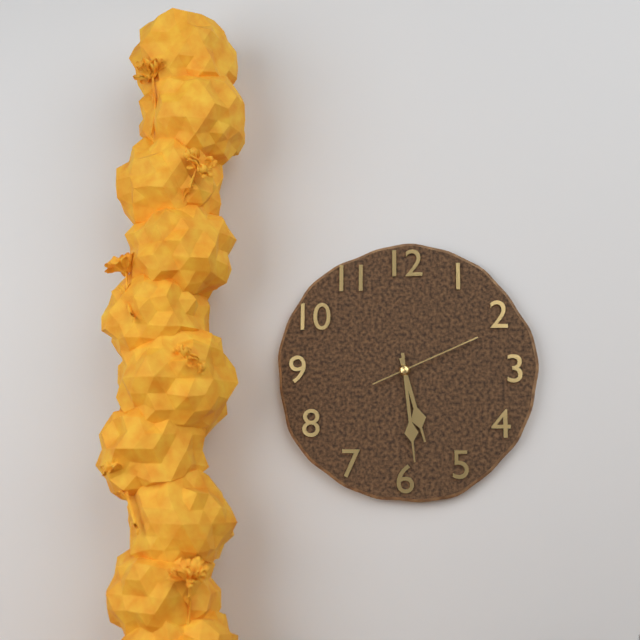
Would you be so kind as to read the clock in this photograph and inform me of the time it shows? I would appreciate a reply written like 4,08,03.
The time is 5,29,11
